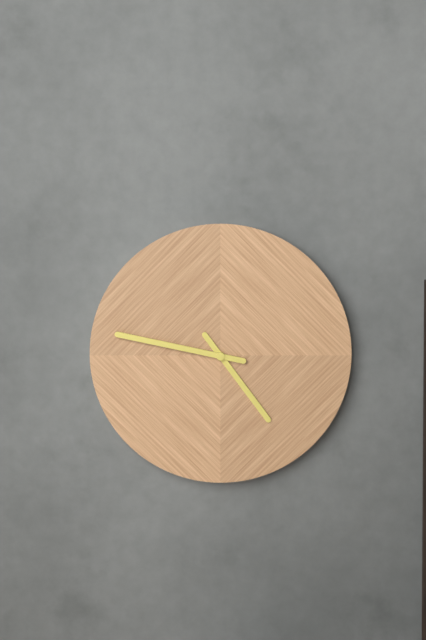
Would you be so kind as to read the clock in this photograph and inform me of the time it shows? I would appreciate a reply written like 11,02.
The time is 4,47
